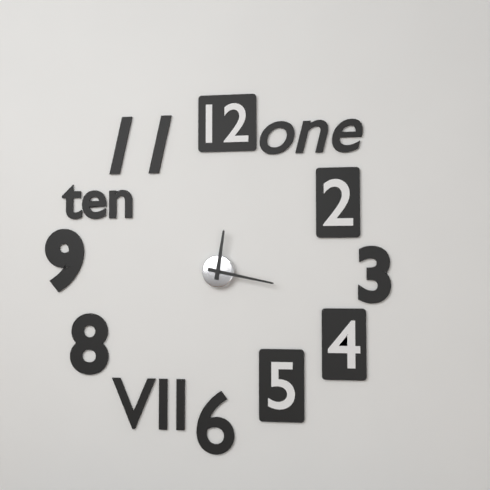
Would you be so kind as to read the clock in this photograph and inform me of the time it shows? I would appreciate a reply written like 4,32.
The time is 12,17
